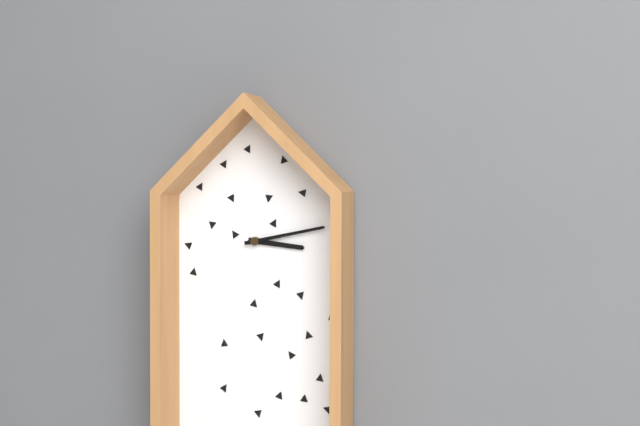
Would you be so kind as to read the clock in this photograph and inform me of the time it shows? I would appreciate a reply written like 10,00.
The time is 3,13
